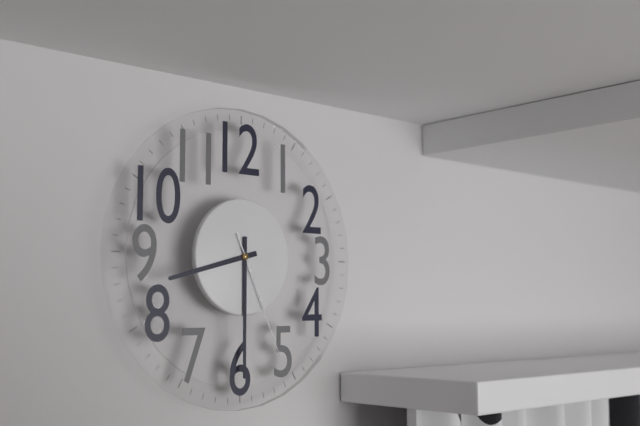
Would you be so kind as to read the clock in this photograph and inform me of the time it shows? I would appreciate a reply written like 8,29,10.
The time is 8,30,26
